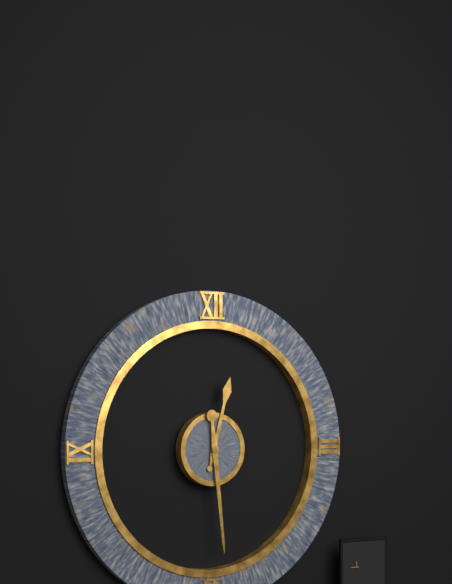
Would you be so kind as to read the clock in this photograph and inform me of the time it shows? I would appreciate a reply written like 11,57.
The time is 12,29
